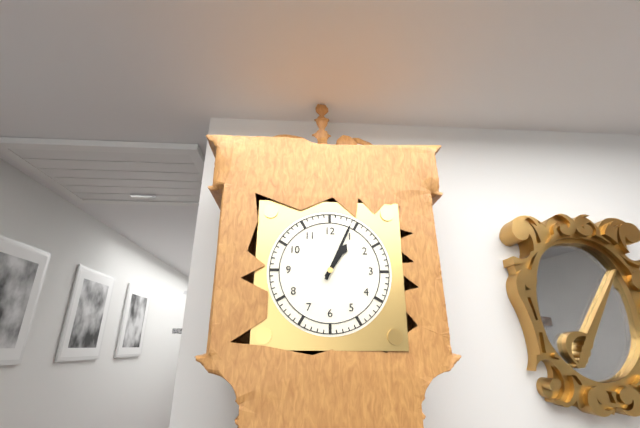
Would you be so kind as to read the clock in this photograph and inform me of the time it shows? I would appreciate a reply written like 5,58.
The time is 1,04
